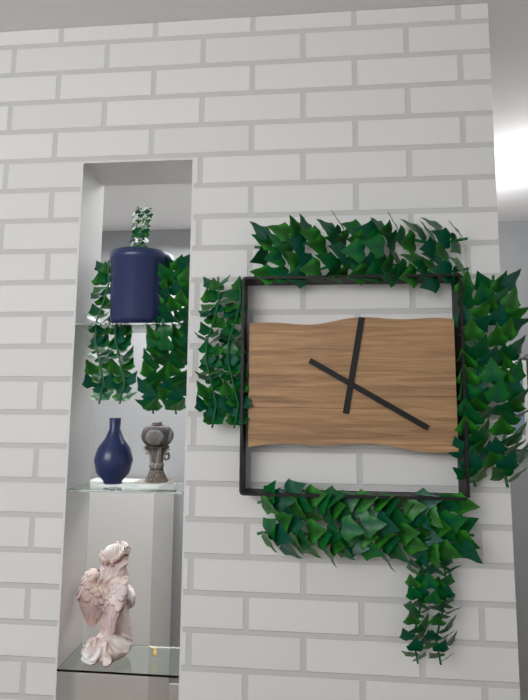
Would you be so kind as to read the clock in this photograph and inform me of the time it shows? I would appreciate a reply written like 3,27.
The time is 12,20
